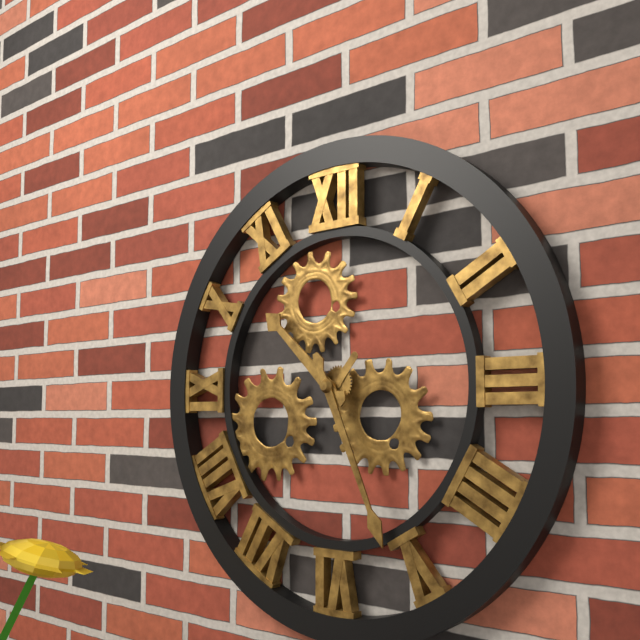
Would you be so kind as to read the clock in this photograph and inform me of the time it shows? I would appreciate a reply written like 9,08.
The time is 10,26
